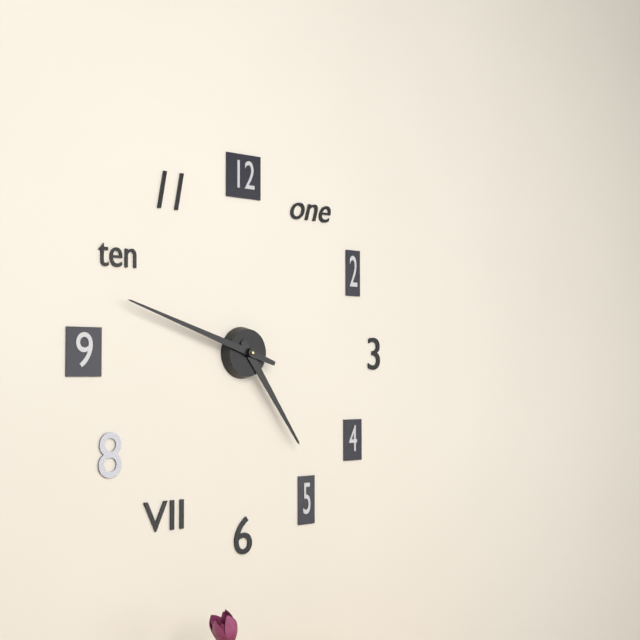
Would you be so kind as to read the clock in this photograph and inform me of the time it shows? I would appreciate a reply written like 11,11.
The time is 4,48
